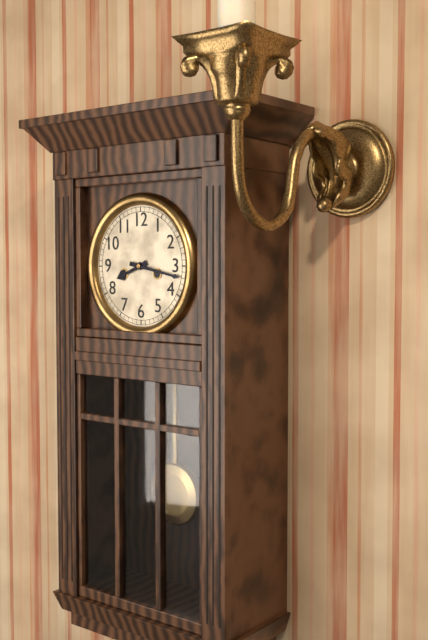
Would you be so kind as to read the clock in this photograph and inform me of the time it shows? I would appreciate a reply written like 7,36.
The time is 8,17
